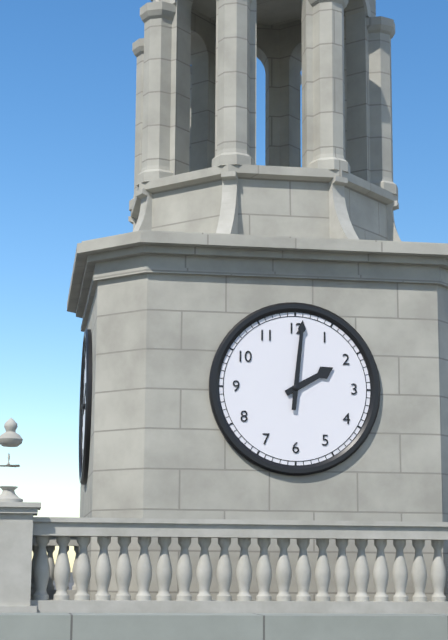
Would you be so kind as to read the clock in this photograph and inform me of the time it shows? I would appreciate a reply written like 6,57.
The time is 2,01
